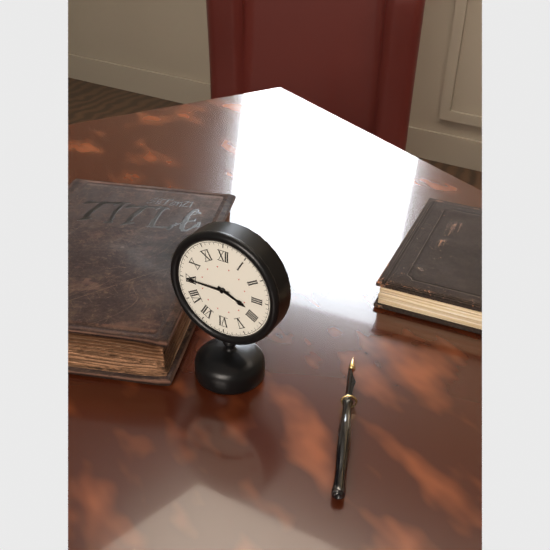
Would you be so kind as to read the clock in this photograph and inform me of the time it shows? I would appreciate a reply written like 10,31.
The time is 3,45
